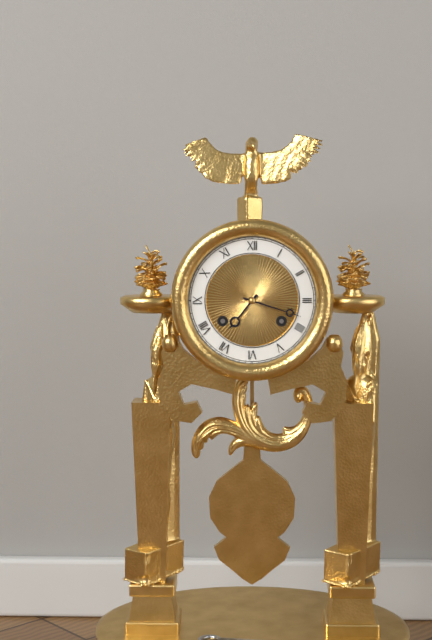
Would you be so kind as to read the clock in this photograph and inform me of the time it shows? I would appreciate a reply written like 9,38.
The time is 7,18
